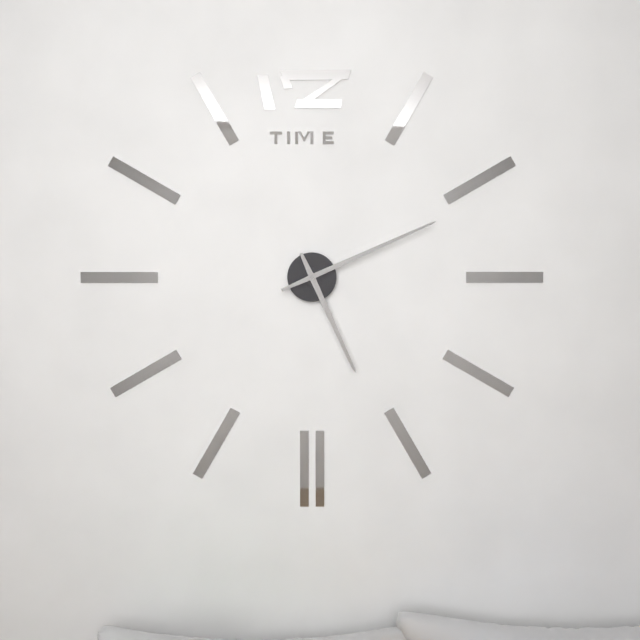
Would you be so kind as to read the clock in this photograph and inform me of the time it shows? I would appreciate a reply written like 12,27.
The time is 5,11
